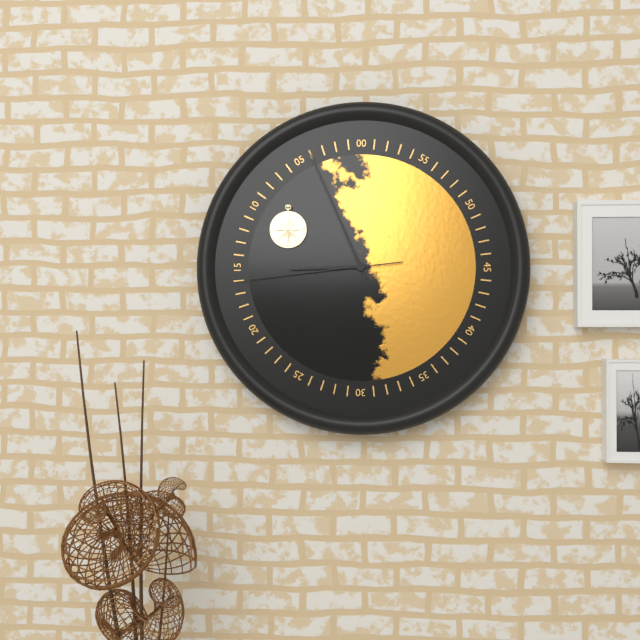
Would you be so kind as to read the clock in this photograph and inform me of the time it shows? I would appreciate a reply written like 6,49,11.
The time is 8,56,44
